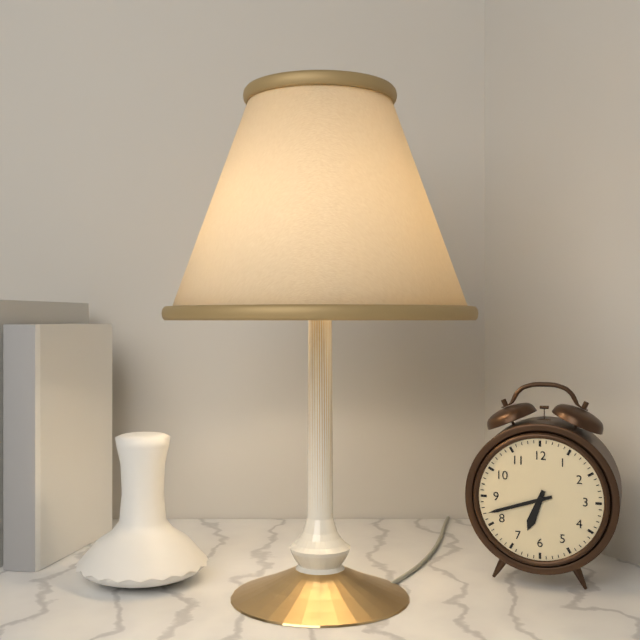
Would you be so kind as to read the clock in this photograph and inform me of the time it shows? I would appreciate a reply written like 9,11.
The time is 6,42
